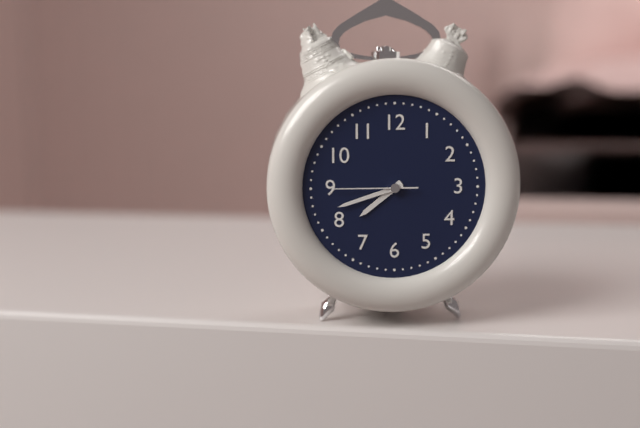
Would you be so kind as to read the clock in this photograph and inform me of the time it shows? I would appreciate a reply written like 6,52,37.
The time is 7,42,45
